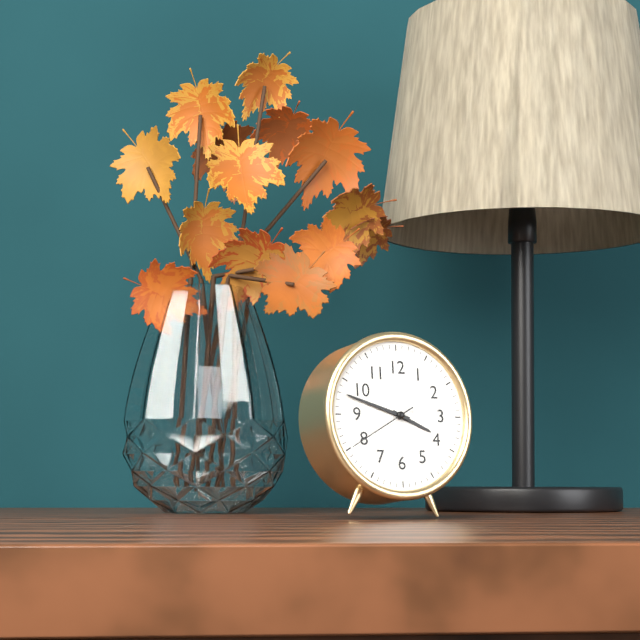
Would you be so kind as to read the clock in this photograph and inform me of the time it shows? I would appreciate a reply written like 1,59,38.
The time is 3,48,40
